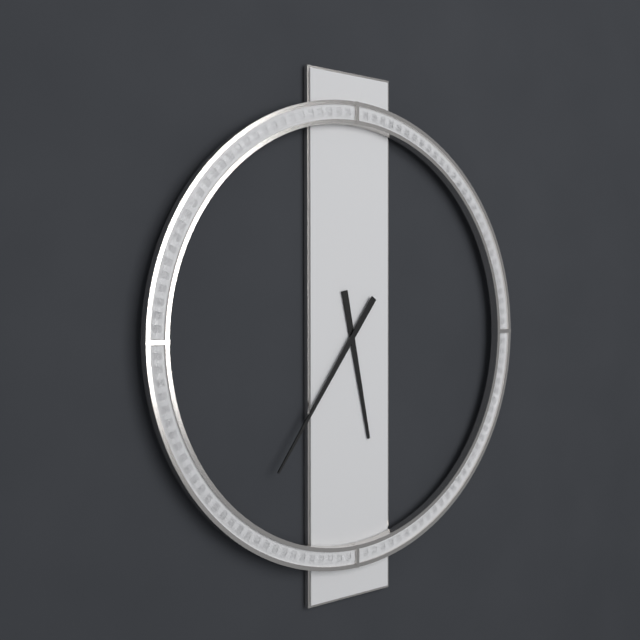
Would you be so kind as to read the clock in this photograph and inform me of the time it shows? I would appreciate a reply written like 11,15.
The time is 5,36
